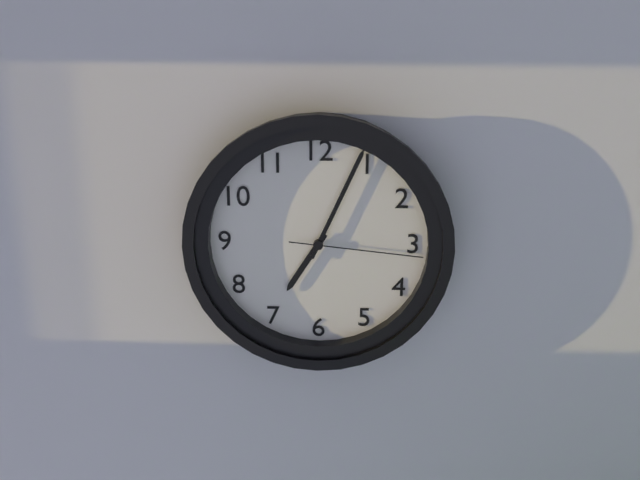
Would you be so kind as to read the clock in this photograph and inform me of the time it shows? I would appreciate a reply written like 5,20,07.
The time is 7,04,16
